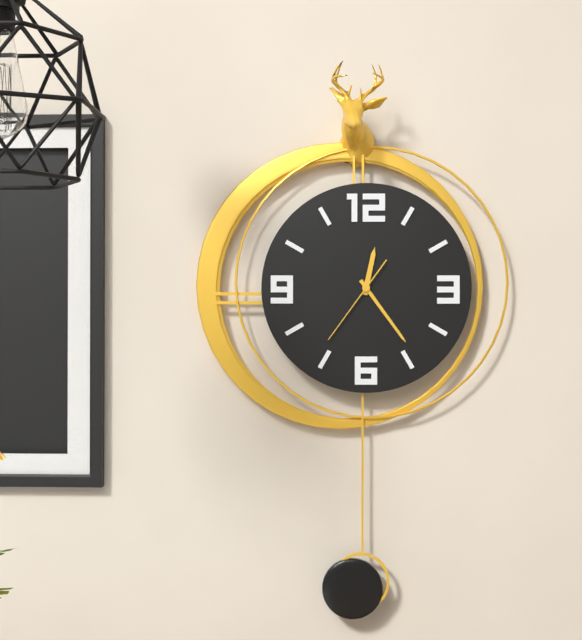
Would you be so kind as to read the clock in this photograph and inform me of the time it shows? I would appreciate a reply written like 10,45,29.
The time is 12,24,36
